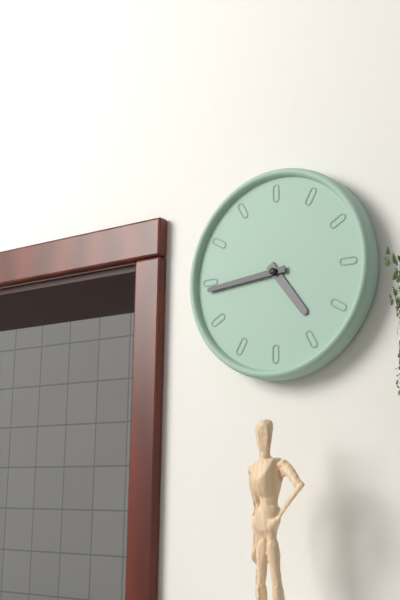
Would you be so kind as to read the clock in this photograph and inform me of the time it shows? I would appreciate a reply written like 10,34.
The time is 4,44
